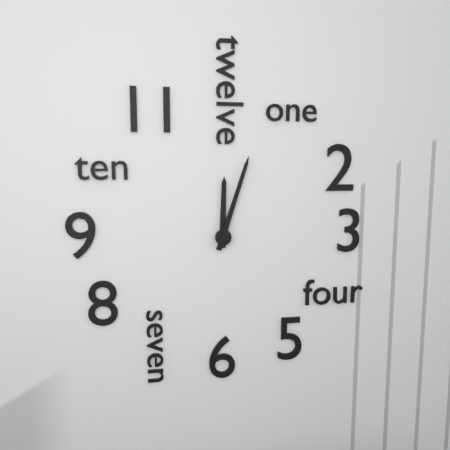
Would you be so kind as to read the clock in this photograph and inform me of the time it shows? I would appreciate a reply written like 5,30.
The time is 12,03
